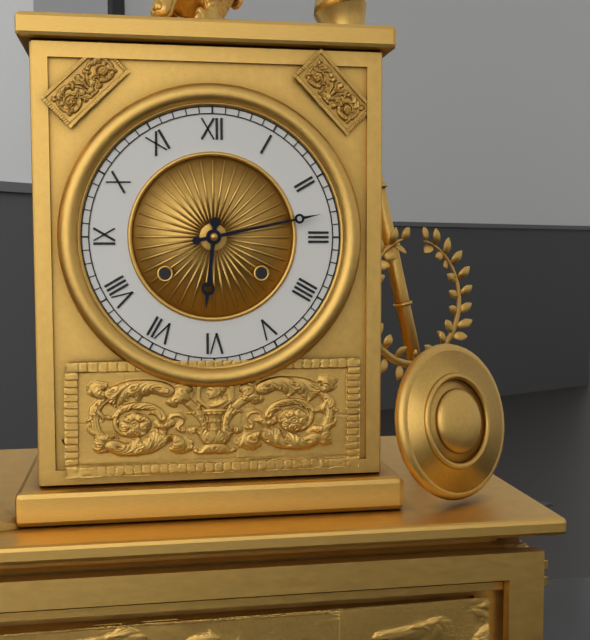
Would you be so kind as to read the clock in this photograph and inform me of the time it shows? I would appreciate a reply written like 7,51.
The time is 6,13
